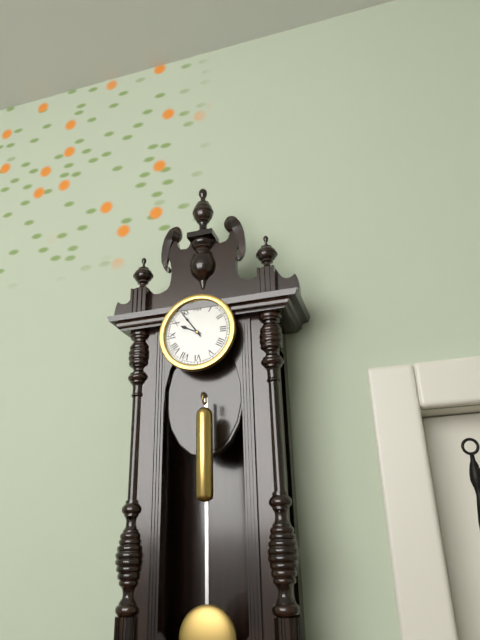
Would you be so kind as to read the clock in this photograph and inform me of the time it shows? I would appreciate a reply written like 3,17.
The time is 9,54
